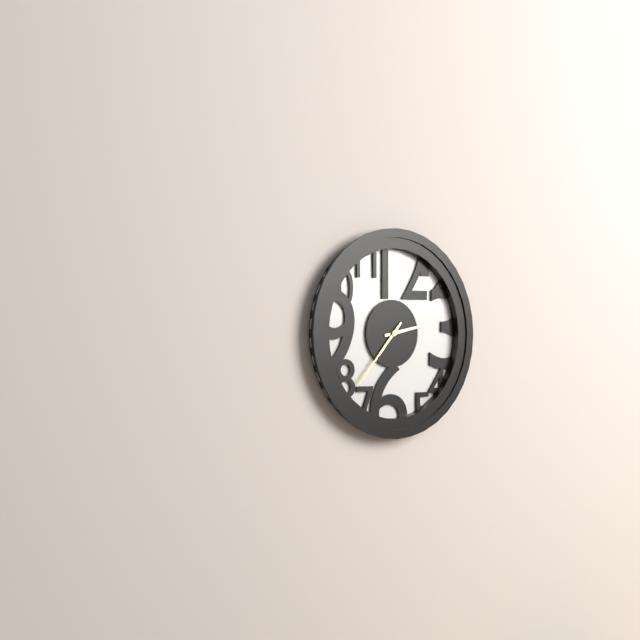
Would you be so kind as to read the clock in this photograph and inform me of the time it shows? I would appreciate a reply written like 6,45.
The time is 2,37
